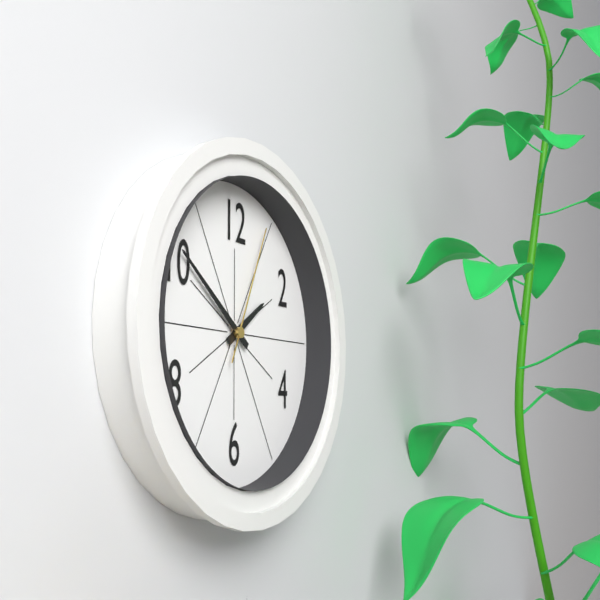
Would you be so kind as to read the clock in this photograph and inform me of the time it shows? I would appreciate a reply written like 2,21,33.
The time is 1,51,04
